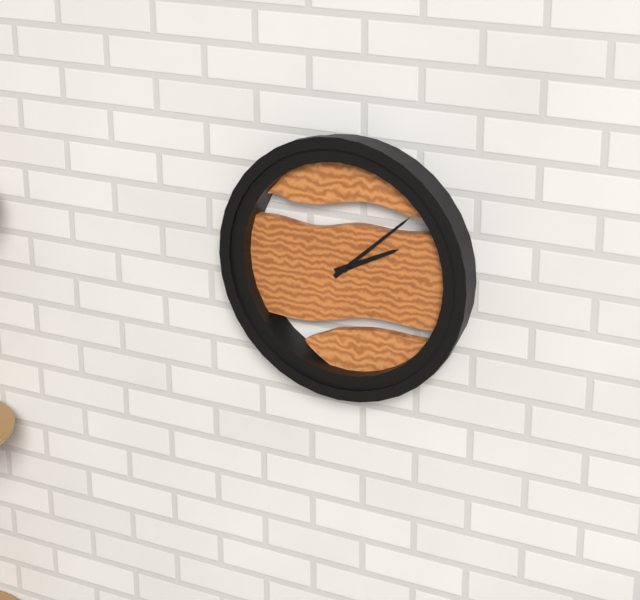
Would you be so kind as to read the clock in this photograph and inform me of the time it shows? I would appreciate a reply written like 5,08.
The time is 2,08
